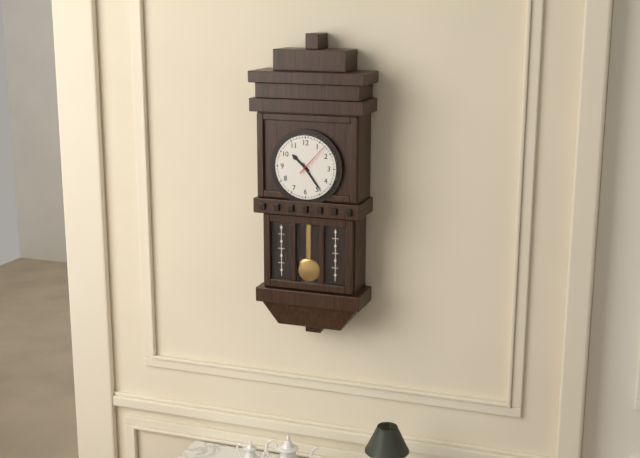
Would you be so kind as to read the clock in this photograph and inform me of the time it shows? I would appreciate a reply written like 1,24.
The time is 10,24
